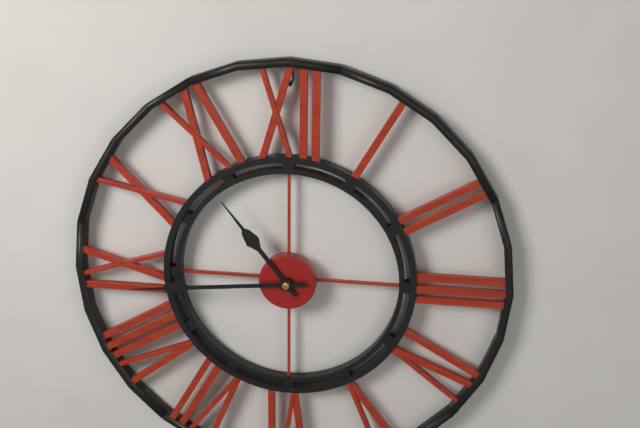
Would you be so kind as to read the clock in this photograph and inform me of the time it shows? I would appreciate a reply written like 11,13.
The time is 10,44
